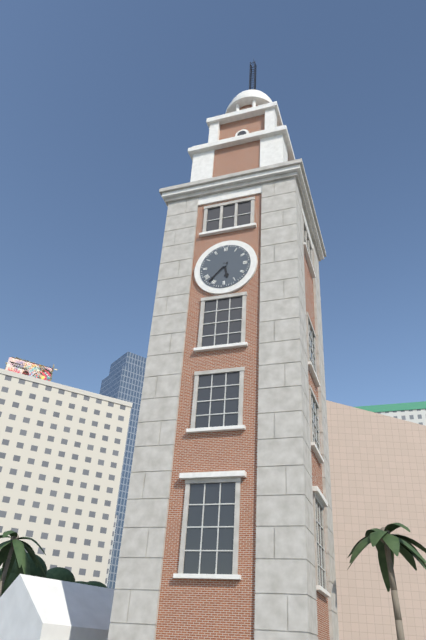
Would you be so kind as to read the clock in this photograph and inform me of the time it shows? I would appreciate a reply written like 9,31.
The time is 5,37
